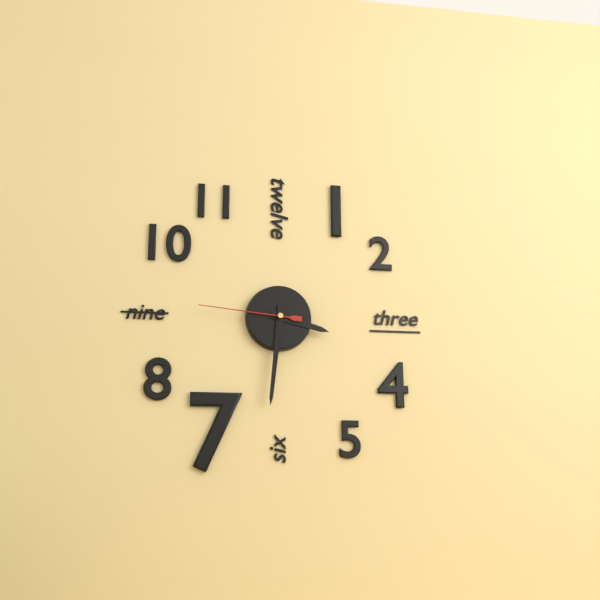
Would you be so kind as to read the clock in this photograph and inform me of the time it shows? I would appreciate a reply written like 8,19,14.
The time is 3,31,46
